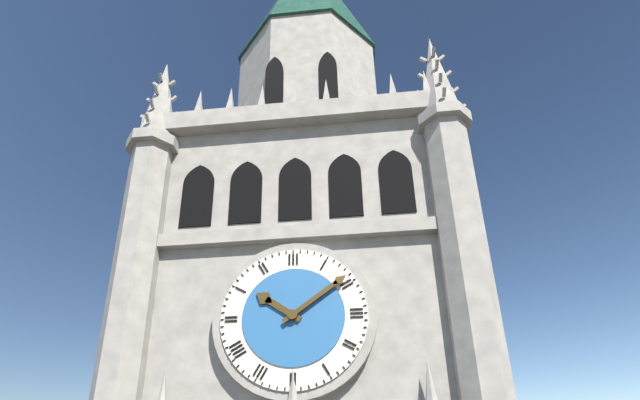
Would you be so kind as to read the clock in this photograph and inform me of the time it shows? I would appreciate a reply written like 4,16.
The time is 10,09
